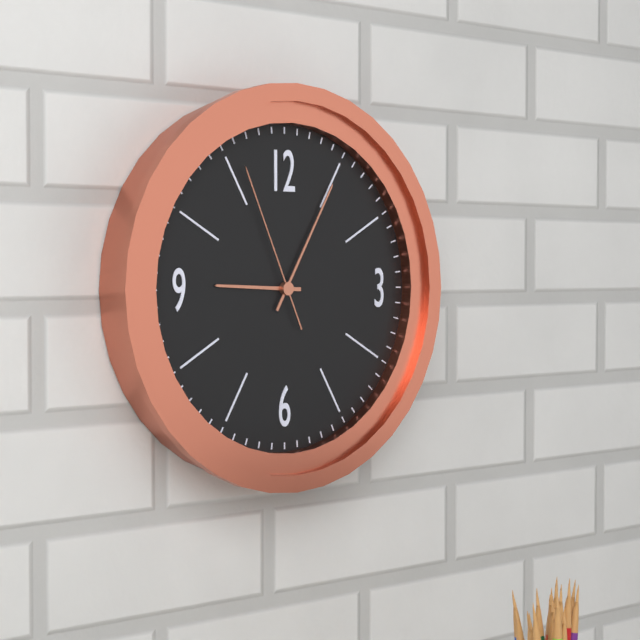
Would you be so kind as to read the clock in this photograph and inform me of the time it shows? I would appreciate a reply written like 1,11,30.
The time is 9,05,56
